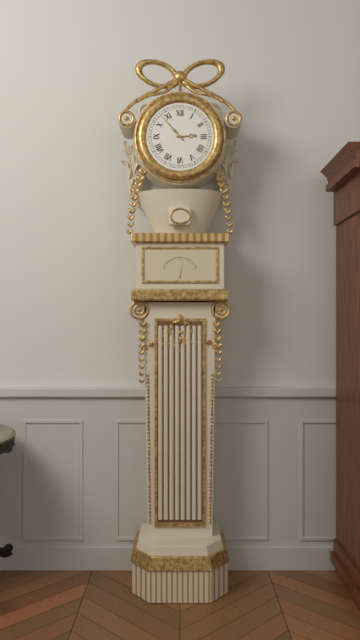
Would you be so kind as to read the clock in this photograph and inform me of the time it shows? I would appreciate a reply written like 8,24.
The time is 2,53
